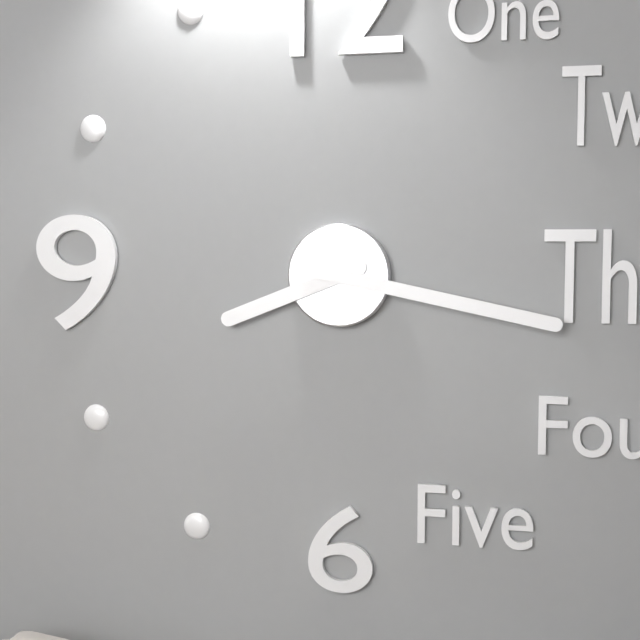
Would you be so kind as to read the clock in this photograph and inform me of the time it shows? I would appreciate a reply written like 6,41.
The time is 8,17
